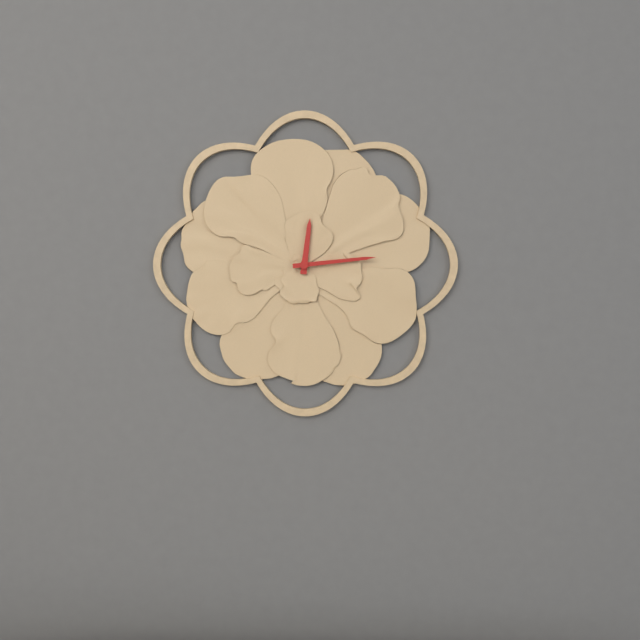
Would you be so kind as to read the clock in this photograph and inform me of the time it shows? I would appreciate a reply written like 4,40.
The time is 12,14
